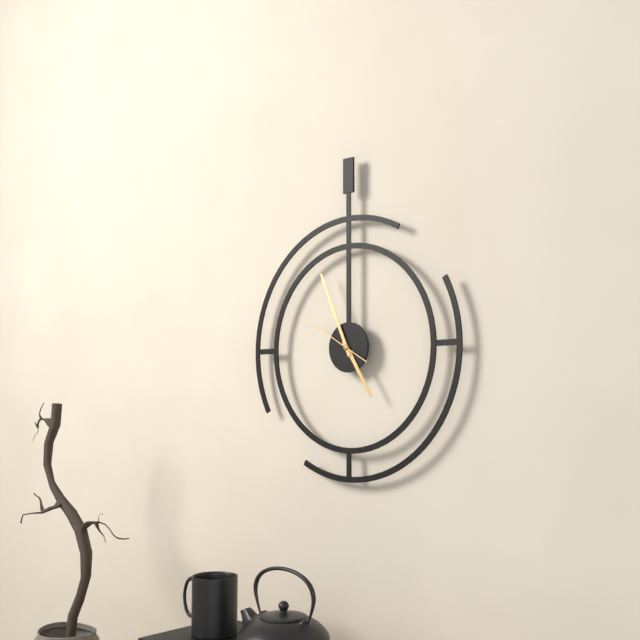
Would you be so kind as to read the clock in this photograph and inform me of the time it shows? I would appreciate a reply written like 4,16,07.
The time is 4,56,50
